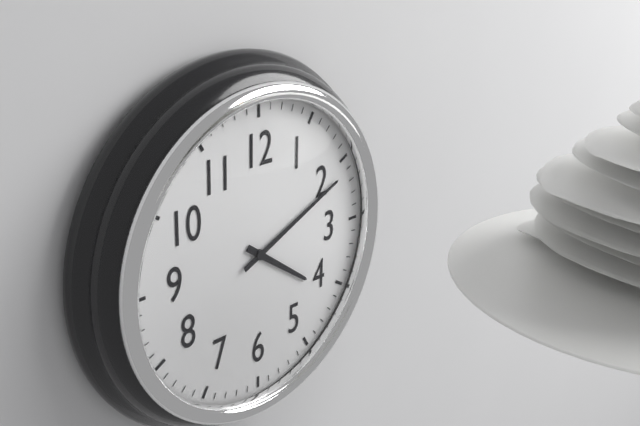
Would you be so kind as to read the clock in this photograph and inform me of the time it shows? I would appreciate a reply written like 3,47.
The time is 4,11
